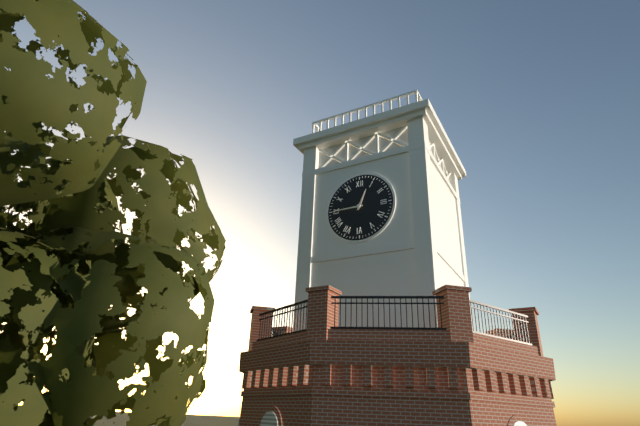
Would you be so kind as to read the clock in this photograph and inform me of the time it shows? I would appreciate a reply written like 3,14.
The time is 12,45
